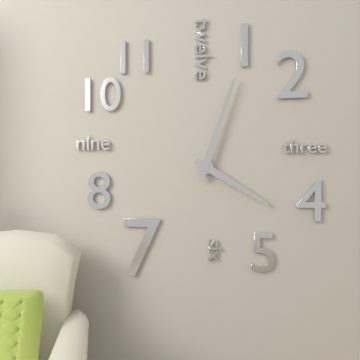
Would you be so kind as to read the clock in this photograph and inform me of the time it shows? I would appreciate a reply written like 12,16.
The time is 4,03
